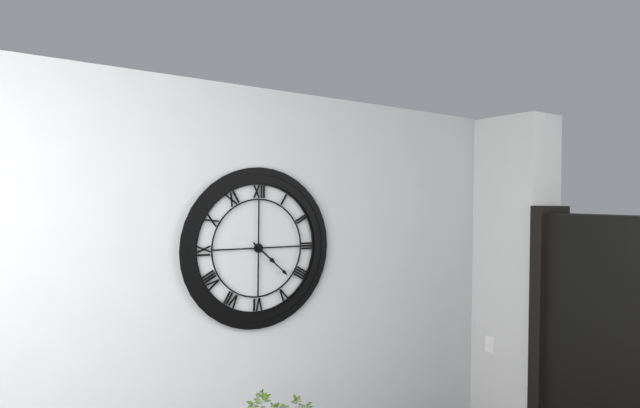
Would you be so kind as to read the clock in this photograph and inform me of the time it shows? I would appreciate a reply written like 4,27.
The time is 4,22
